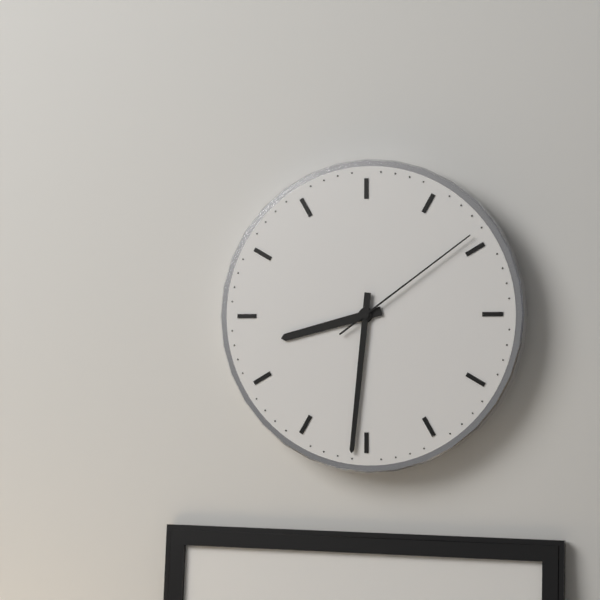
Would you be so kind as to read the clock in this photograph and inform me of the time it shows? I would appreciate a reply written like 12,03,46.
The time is 8,31,09
